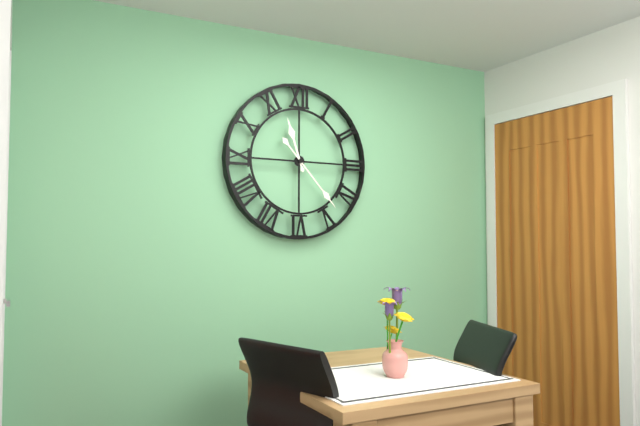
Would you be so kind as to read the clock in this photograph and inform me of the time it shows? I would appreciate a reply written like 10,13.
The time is 11,23
